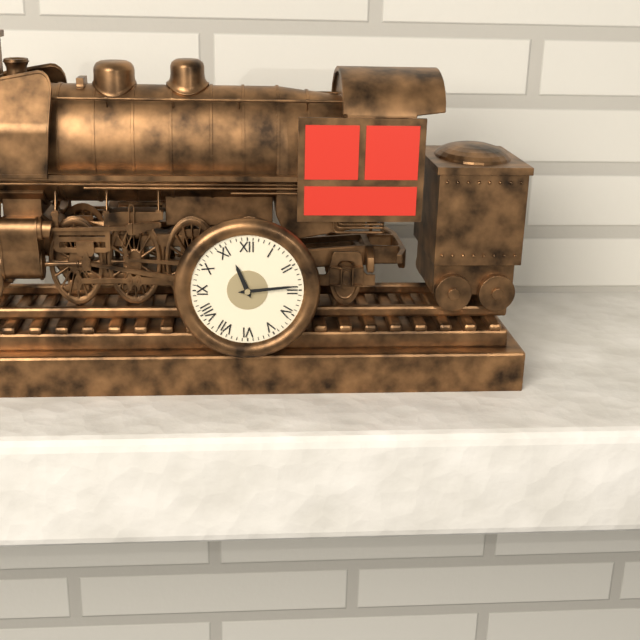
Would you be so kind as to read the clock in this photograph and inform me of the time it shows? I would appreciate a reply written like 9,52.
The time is 11,14
